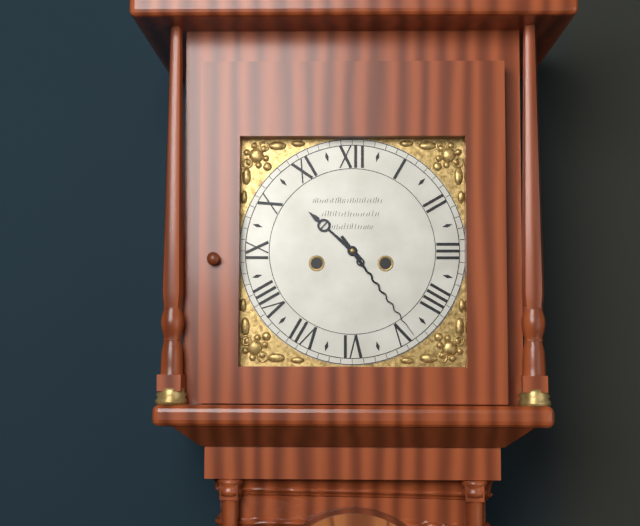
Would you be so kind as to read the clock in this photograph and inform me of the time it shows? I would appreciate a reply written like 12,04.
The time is 10,24
